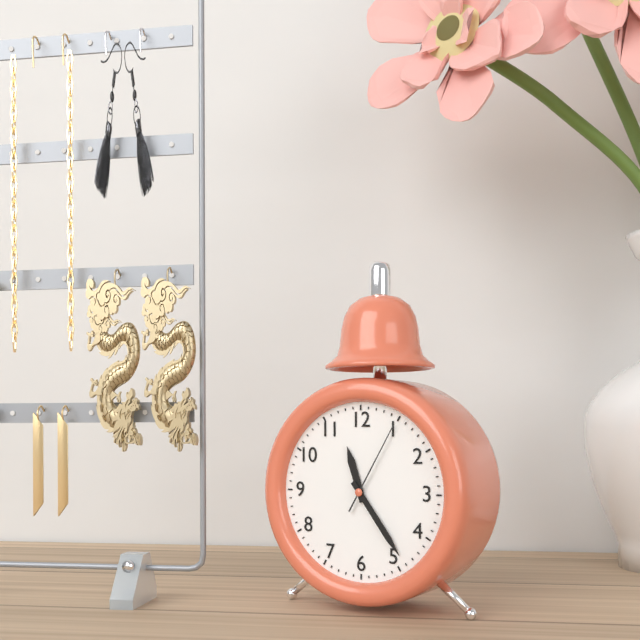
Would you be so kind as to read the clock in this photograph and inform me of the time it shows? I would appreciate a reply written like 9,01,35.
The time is 11,24,05
